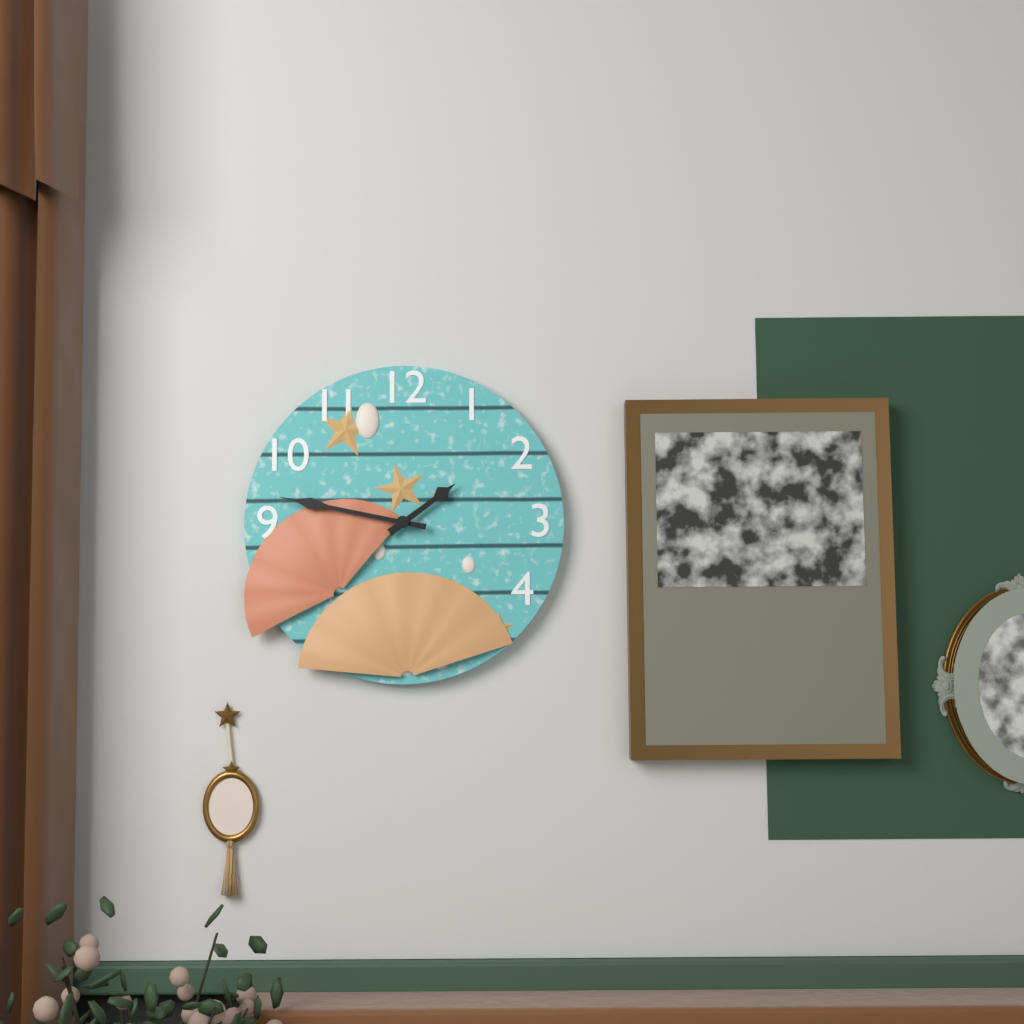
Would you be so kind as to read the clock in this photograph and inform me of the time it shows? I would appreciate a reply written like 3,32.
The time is 1,47
